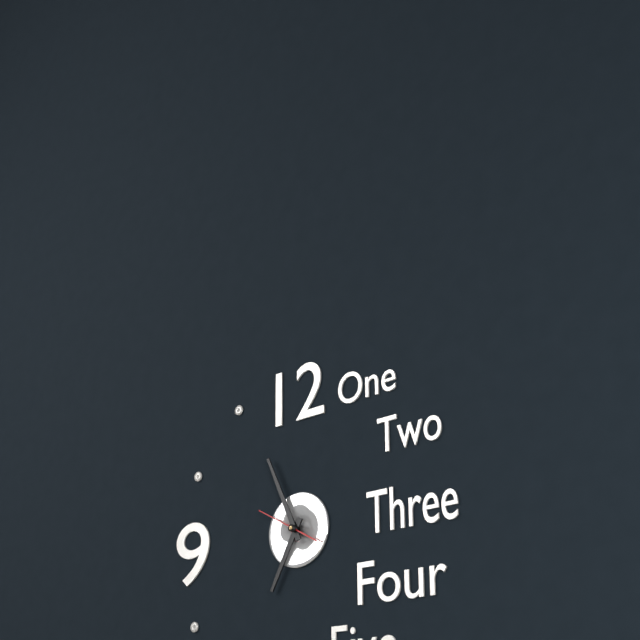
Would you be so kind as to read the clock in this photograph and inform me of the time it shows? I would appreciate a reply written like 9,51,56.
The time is 6,56,50
